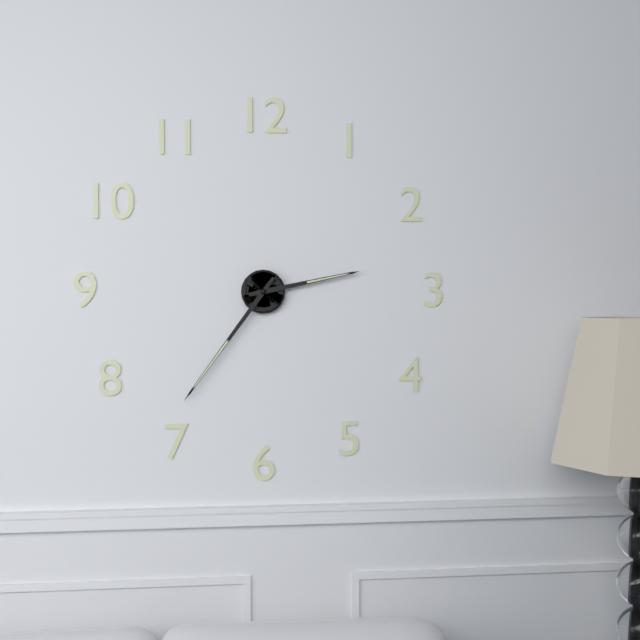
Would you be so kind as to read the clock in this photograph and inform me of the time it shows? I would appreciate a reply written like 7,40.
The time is 2,36
